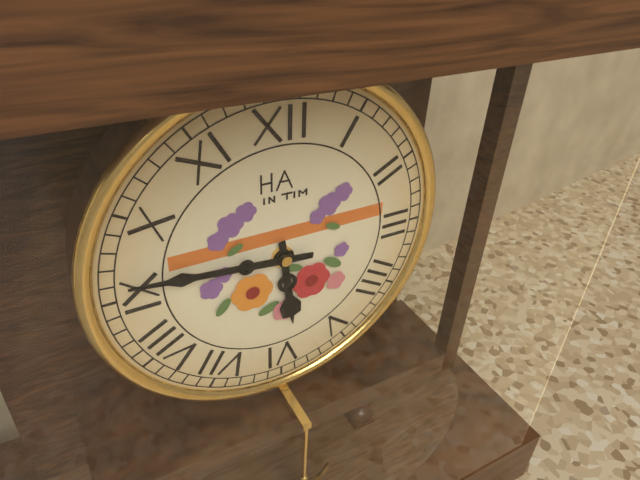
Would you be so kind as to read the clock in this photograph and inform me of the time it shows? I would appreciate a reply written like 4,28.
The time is 5,46
